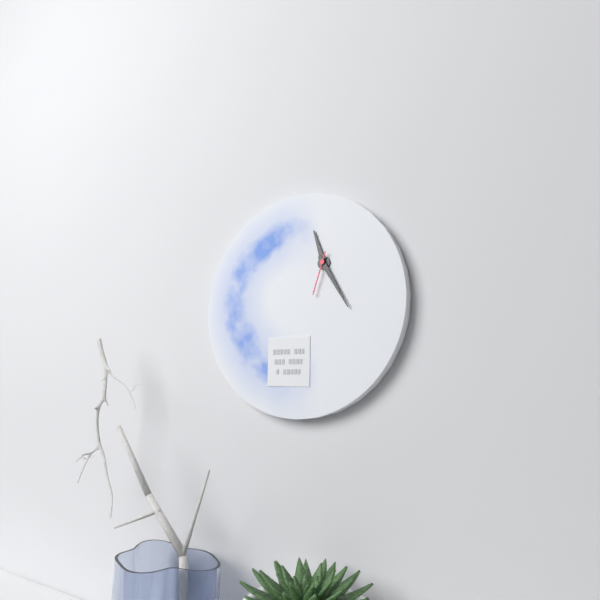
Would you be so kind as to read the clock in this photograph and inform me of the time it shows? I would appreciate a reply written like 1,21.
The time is 11,25
